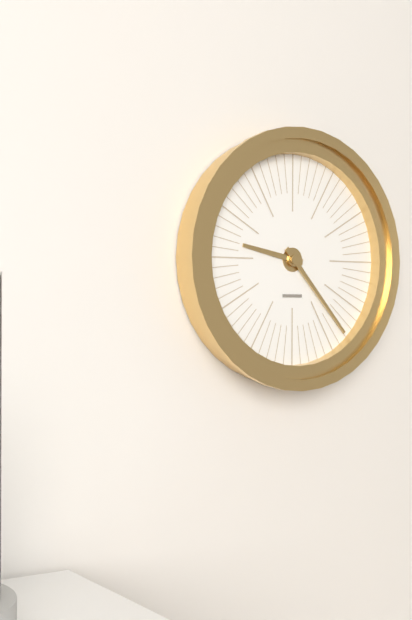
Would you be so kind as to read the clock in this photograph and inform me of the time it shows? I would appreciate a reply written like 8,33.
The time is 9,23
